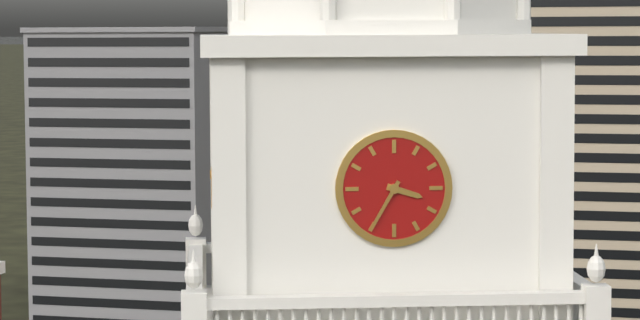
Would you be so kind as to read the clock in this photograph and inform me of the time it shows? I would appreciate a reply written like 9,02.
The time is 3,35
